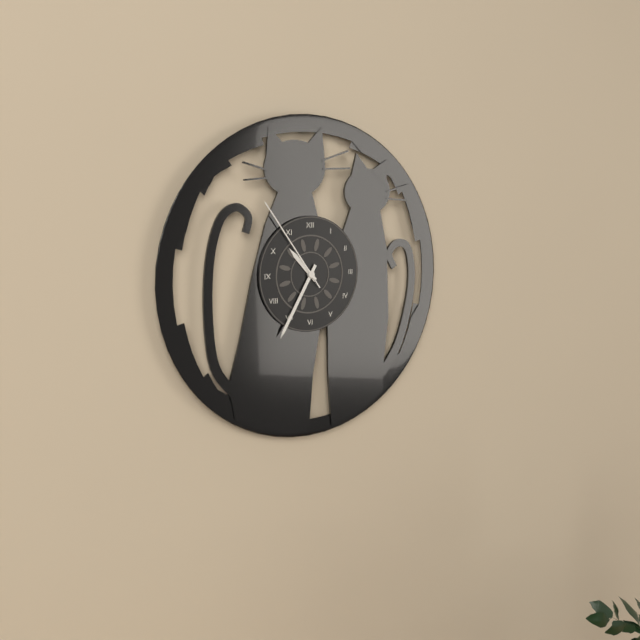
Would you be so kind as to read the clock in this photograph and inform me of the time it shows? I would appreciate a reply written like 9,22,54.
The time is 10,35,54
